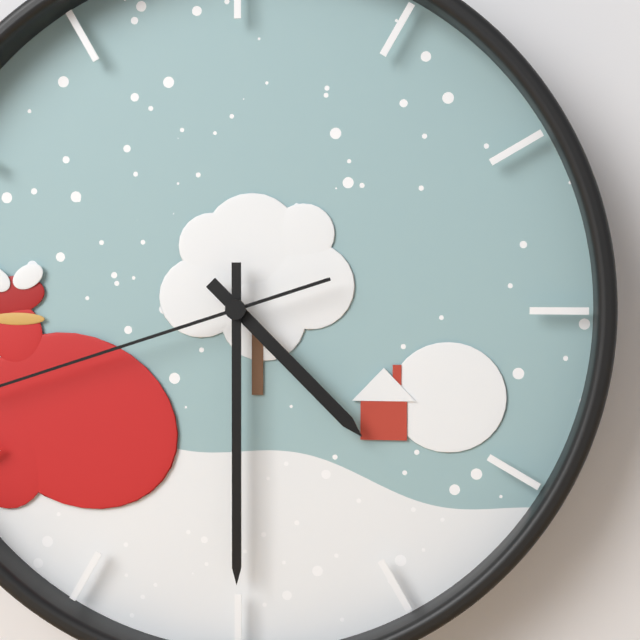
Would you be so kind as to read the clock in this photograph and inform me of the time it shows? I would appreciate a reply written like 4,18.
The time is 4,30
